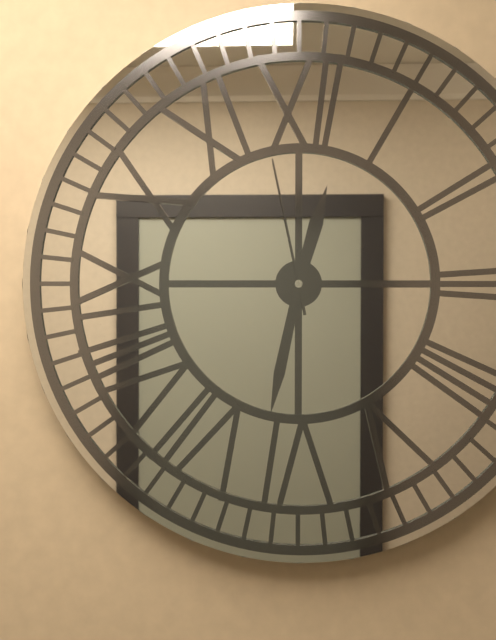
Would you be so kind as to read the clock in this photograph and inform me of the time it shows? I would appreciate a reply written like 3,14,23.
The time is 12,32,58
